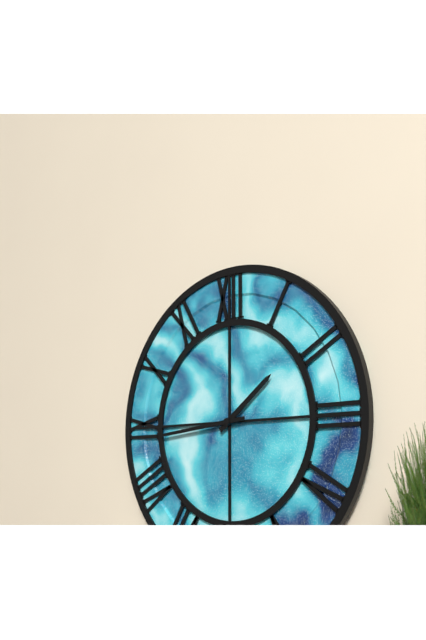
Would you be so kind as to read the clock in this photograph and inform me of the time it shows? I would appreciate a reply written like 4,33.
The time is 1,44
